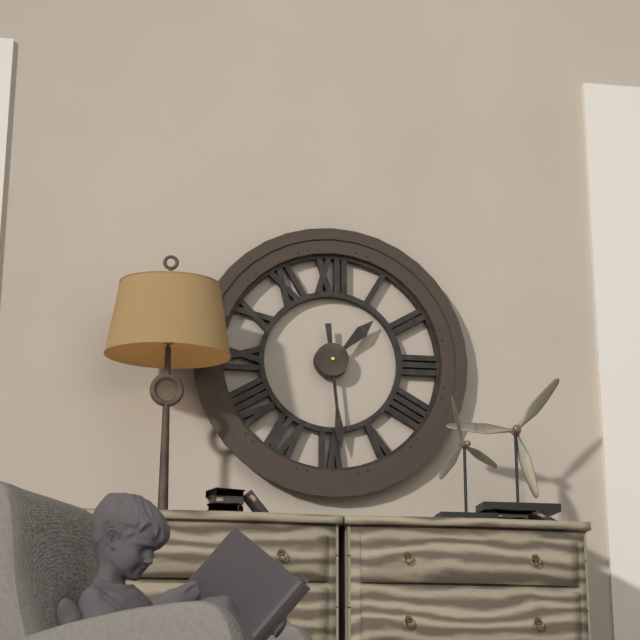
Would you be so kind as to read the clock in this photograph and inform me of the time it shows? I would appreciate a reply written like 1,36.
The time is 1,29
